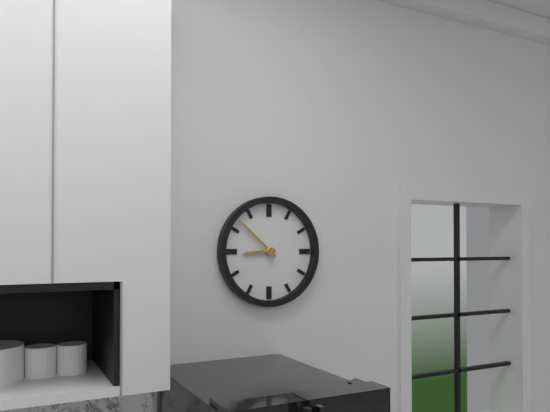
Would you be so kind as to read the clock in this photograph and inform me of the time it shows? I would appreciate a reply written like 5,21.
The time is 8,52
